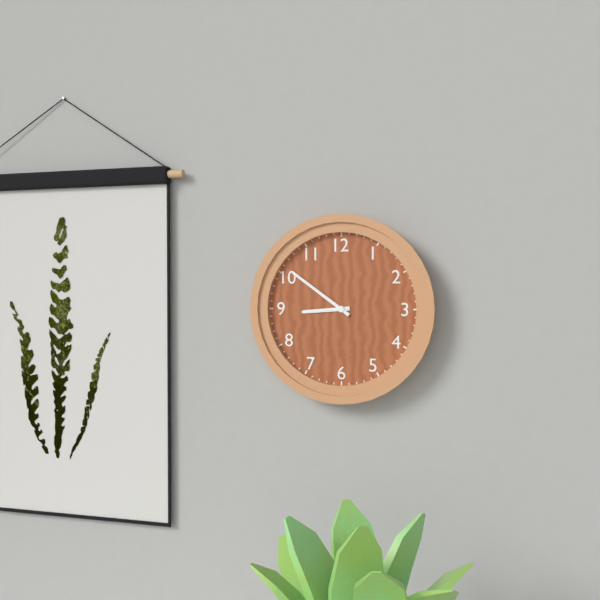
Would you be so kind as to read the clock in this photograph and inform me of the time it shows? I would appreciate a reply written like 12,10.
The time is 8,51
